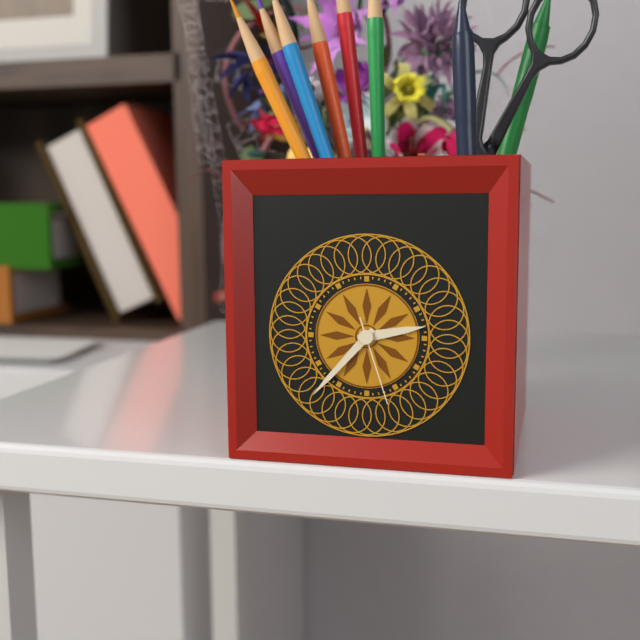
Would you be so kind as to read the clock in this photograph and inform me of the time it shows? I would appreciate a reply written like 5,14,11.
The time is 2,37,27
